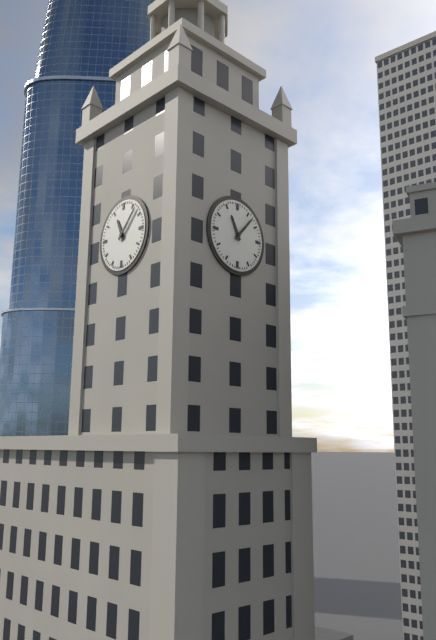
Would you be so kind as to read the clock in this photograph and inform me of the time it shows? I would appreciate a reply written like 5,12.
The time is 11,07
